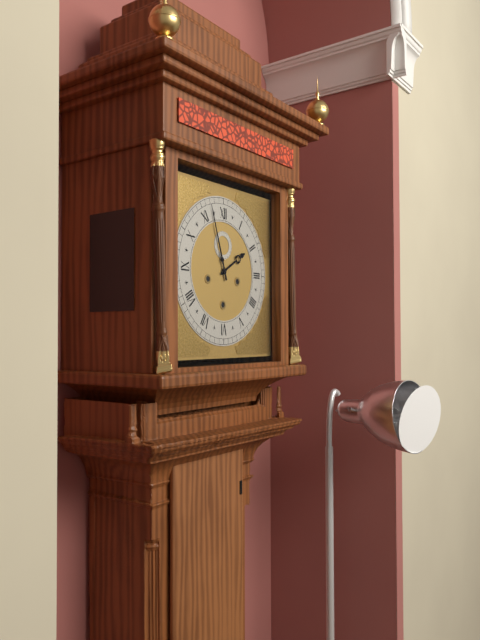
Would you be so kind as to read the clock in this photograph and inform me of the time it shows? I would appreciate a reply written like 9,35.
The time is 1,57
